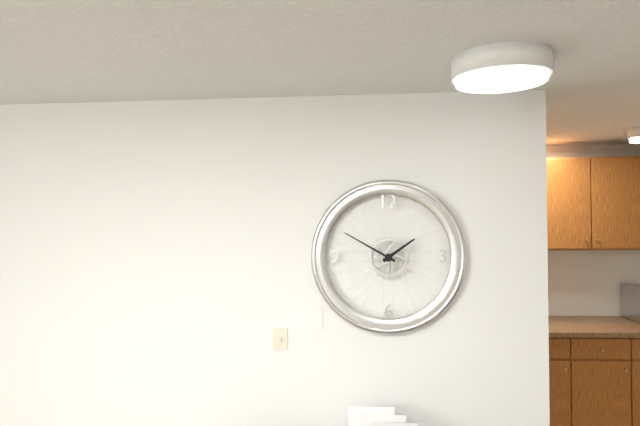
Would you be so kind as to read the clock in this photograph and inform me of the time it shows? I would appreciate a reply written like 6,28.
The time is 1,50
